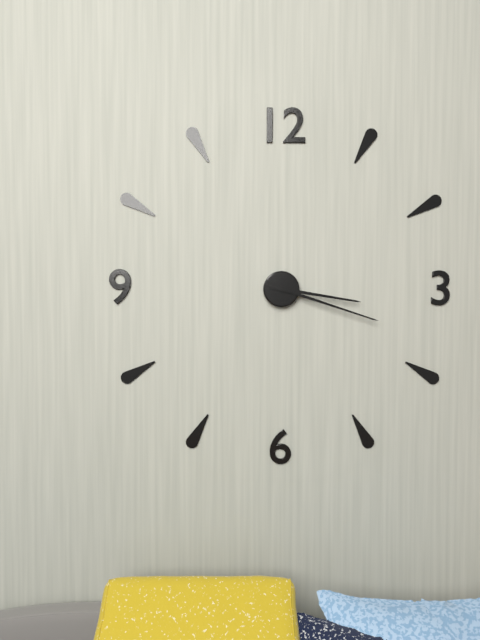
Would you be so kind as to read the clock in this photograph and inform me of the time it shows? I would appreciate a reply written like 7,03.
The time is 3,18
